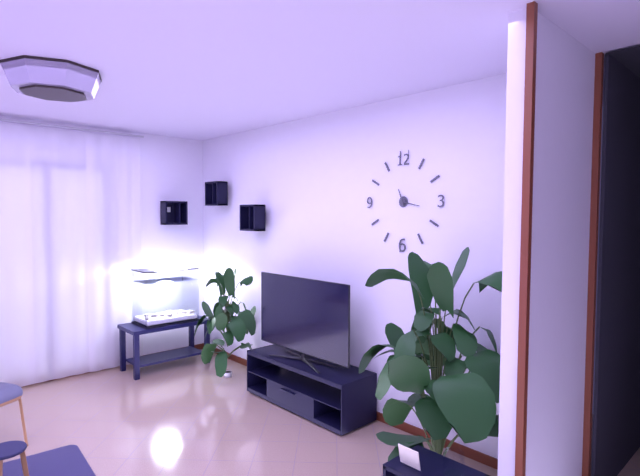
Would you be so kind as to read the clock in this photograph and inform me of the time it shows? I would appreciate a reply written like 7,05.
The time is 11,17
